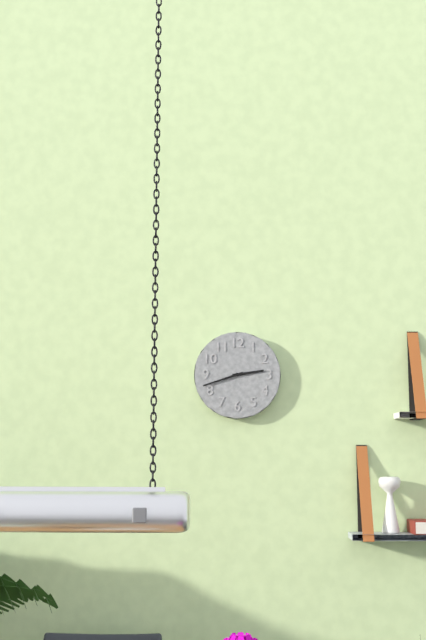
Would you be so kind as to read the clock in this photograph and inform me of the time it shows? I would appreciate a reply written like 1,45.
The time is 2,42
